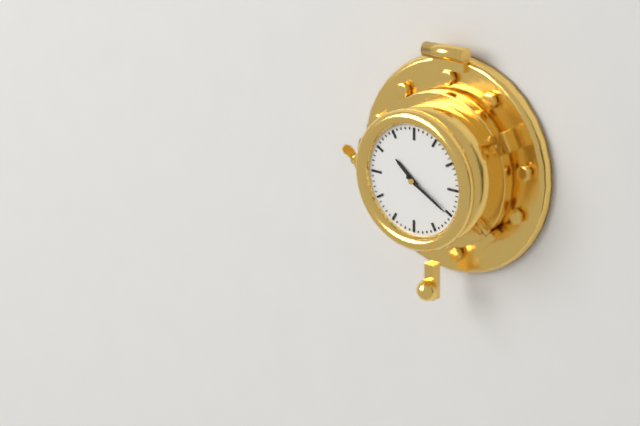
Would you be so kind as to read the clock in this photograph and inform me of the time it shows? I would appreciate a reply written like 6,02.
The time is 10,20
